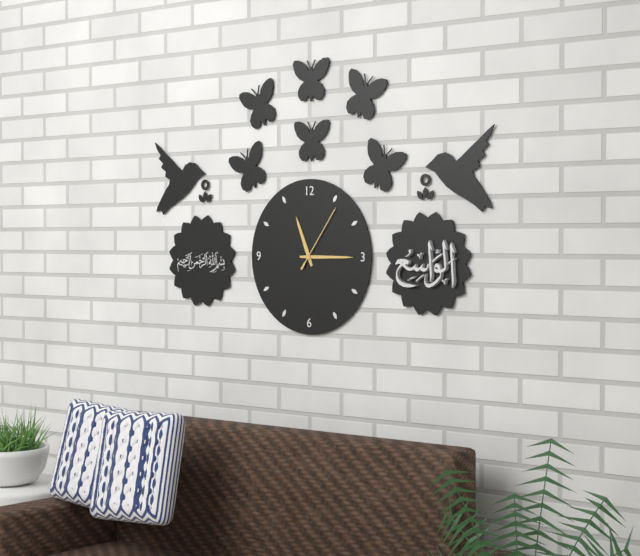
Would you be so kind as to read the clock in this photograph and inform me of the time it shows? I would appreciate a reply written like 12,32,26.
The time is 11,15,06
